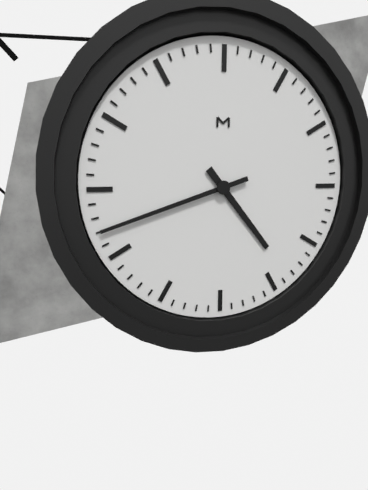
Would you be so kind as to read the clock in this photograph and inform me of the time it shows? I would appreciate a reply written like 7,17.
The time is 4,42
